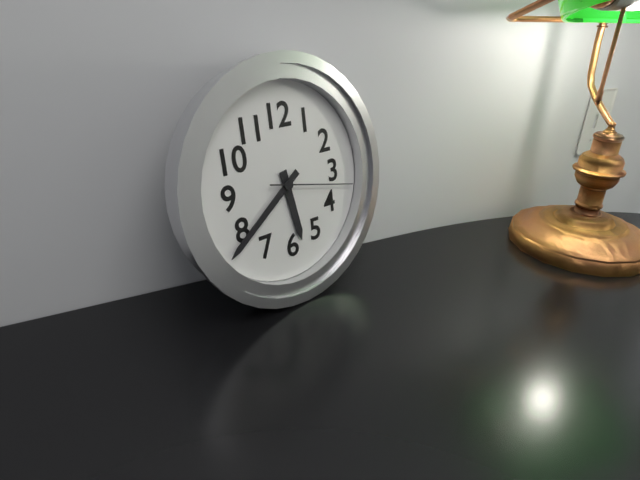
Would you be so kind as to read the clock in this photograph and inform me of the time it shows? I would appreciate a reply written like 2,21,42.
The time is 5,39,17
